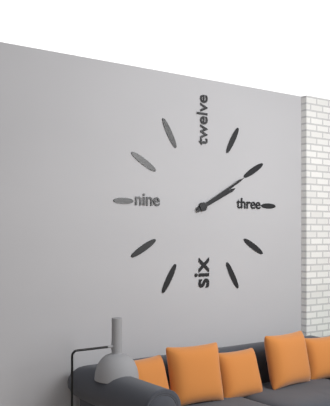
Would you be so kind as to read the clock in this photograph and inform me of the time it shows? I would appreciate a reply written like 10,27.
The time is 2,10
